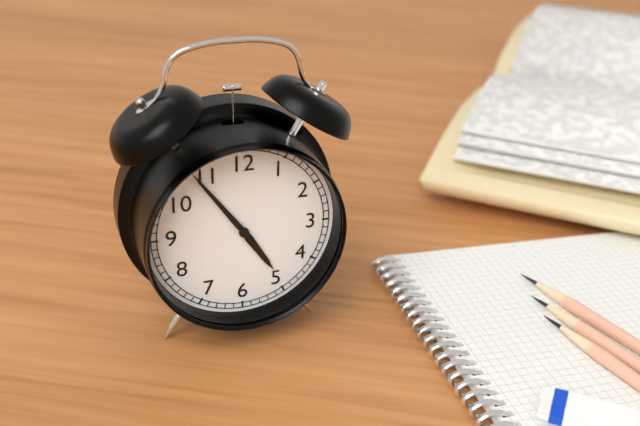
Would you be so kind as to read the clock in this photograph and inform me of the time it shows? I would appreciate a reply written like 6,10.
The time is 4,54
